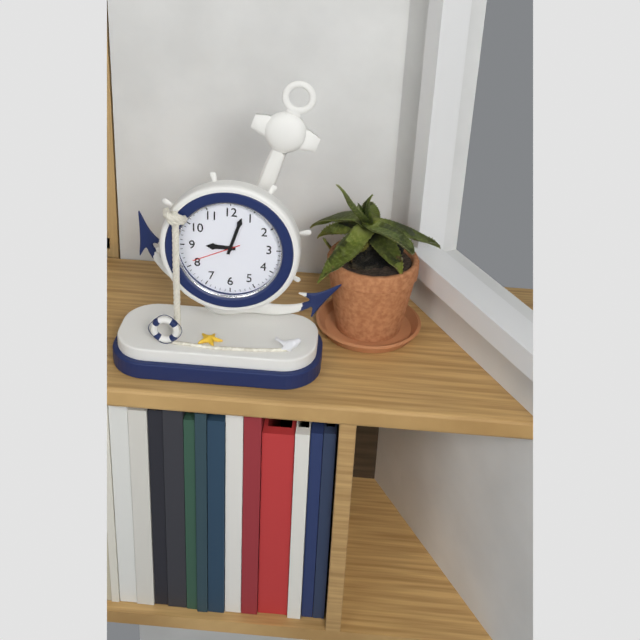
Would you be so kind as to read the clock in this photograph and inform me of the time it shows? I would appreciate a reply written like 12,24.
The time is 9,03
